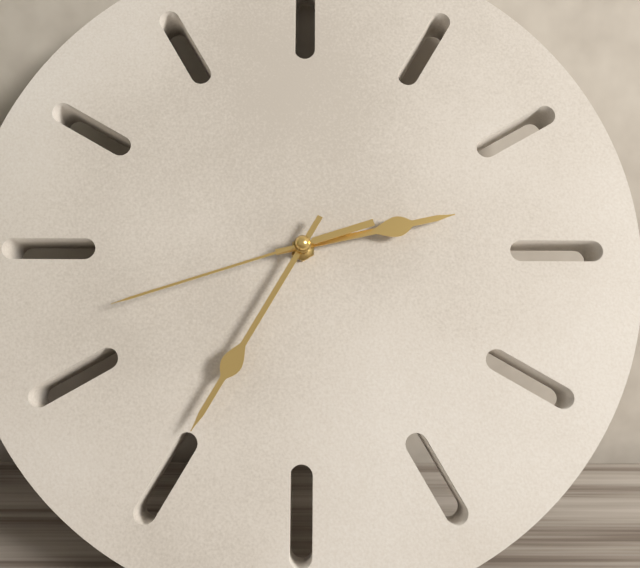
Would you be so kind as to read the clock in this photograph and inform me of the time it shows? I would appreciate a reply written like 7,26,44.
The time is 2,35,42
